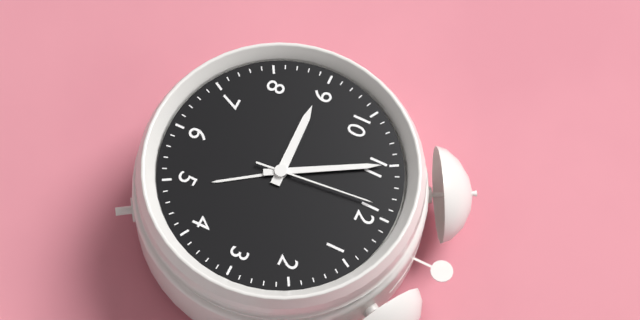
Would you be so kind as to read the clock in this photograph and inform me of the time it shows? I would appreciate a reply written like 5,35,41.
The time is 8,55,59
